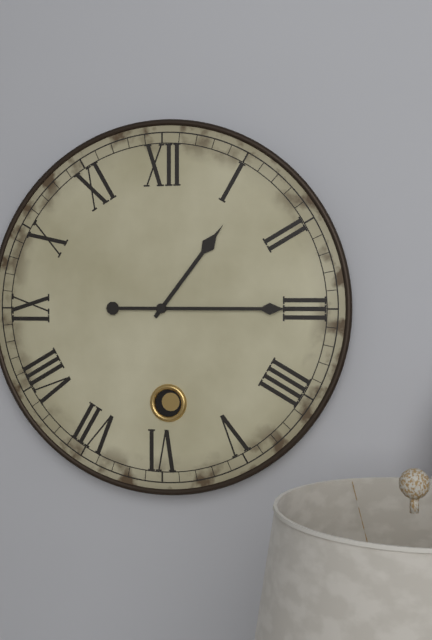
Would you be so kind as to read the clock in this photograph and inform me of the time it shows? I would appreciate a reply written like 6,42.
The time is 1,15
